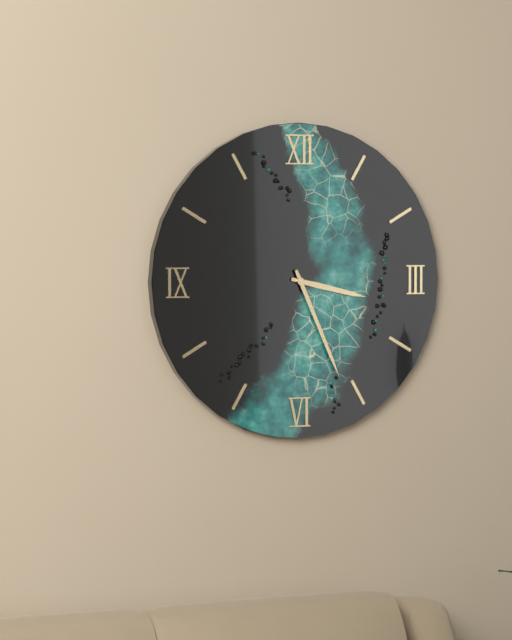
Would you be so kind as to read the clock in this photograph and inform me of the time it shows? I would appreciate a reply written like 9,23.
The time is 3,26
